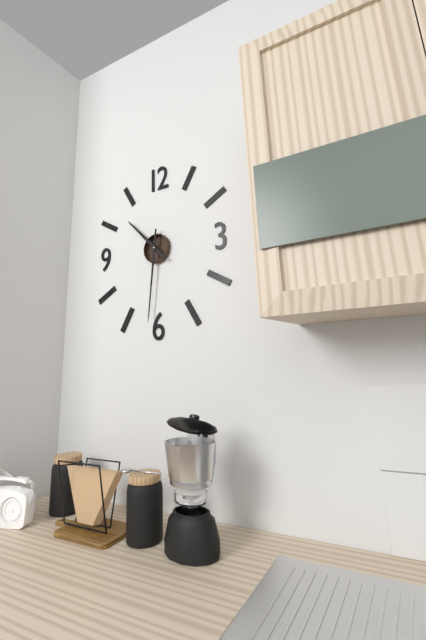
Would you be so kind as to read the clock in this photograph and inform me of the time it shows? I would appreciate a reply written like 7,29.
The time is 10,31
